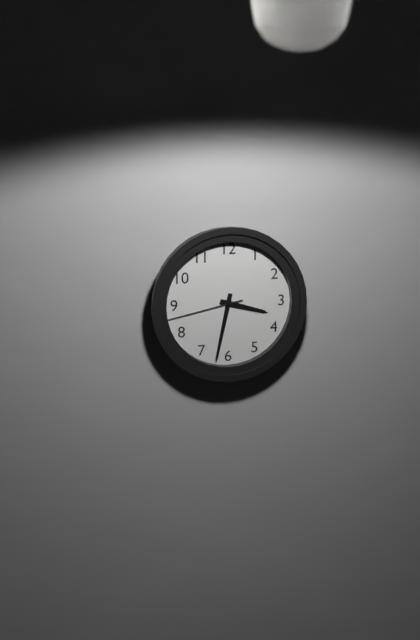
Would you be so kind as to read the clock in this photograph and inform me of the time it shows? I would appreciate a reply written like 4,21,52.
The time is 3,32,43
